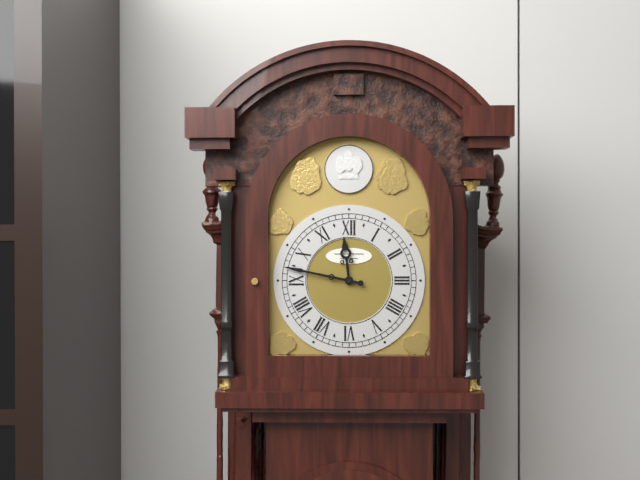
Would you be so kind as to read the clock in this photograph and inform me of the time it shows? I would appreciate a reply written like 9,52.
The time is 11,47
